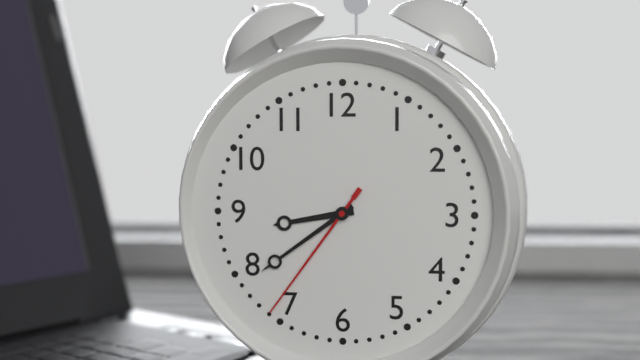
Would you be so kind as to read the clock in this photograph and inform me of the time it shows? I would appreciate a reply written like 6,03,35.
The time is 8,39,36
